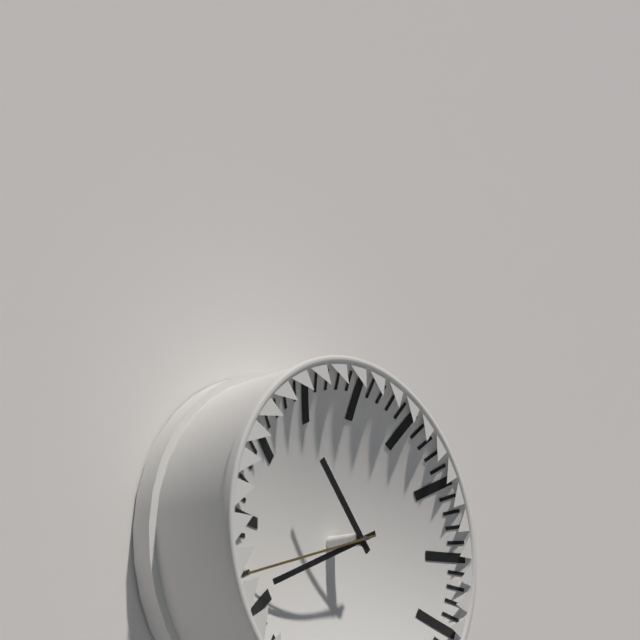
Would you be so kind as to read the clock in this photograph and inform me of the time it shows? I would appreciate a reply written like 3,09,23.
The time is 10,41,42
